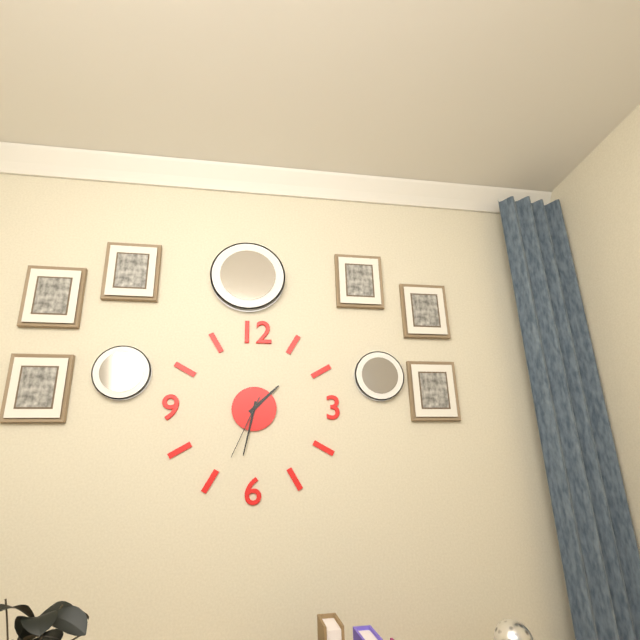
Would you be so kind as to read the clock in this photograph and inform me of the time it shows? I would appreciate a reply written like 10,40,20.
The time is 1,32,34
